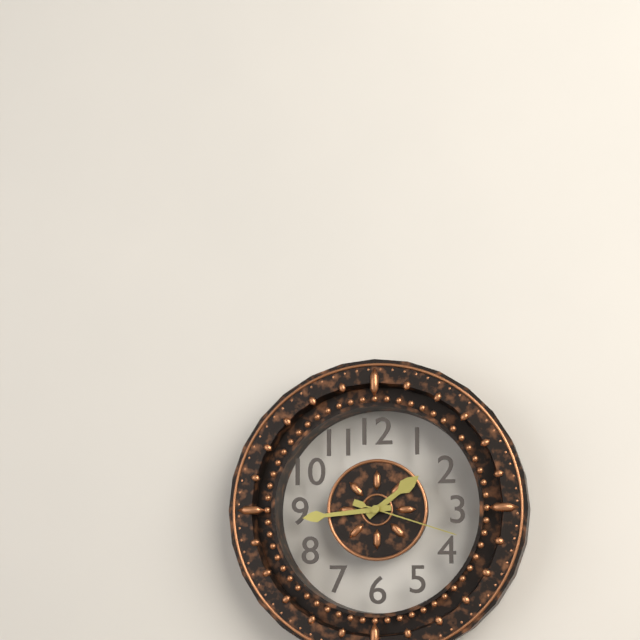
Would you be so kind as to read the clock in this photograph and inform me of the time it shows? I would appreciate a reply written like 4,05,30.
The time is 1,44,18
